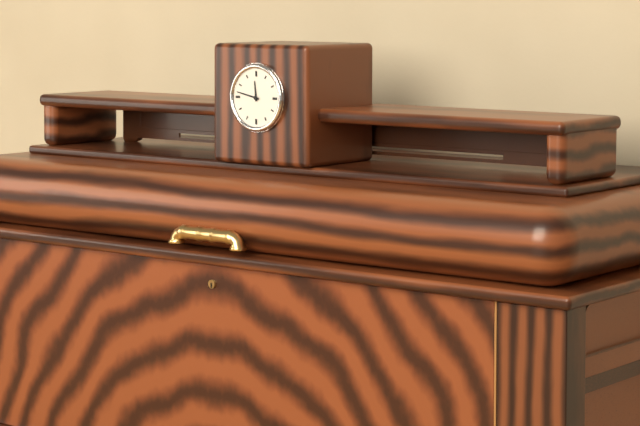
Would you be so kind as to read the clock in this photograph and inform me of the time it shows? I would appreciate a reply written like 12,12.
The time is 11,47
